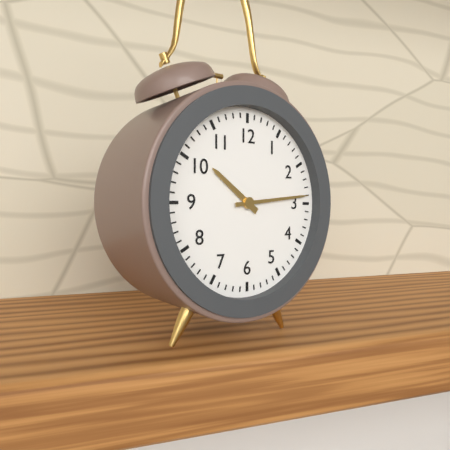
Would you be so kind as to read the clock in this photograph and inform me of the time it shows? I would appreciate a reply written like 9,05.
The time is 10,14
